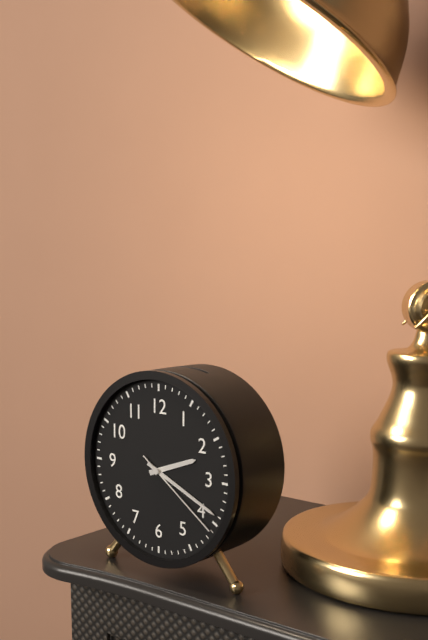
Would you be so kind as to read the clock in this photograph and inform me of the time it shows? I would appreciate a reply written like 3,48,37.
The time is 2,19,21
